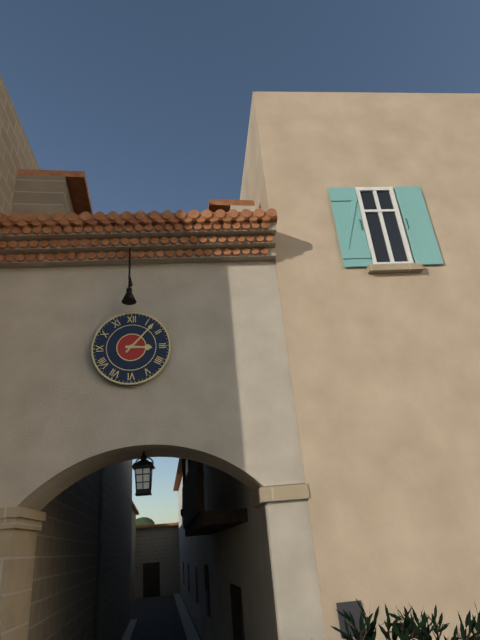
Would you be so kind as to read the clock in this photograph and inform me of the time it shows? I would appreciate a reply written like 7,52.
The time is 3,07
